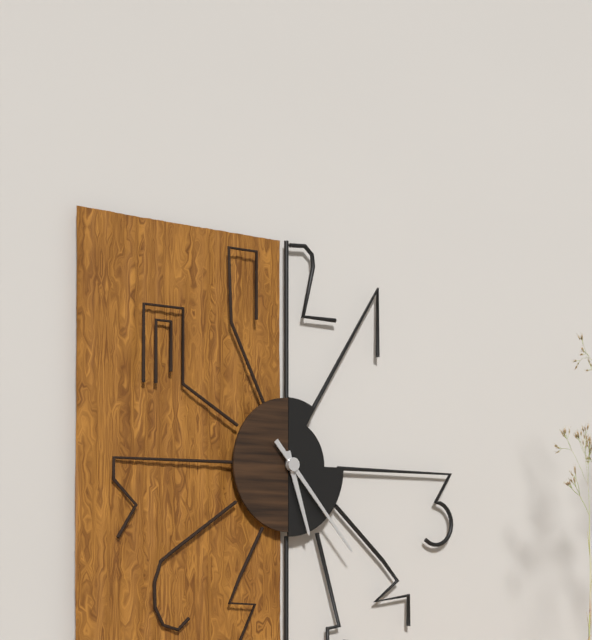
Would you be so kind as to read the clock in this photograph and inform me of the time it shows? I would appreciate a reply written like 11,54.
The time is 5,23
